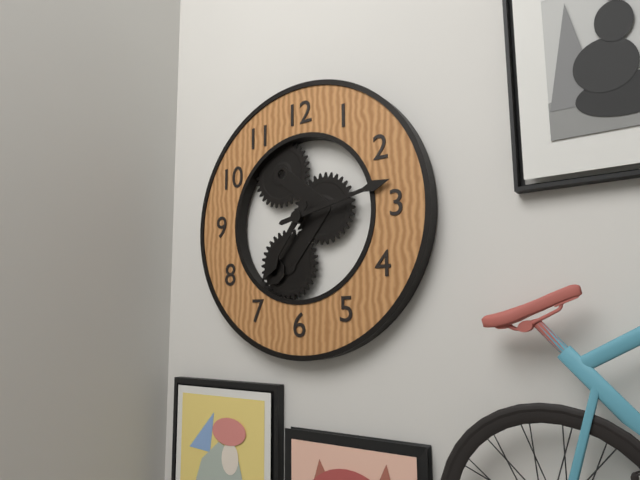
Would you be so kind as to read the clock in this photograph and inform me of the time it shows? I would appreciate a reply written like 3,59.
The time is 7,13
